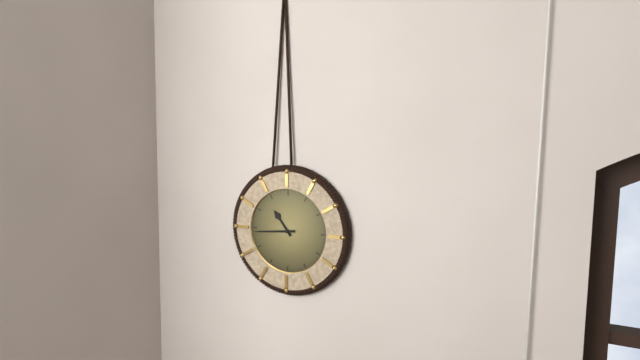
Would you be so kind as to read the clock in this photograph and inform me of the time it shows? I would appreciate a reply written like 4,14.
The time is 10,44
